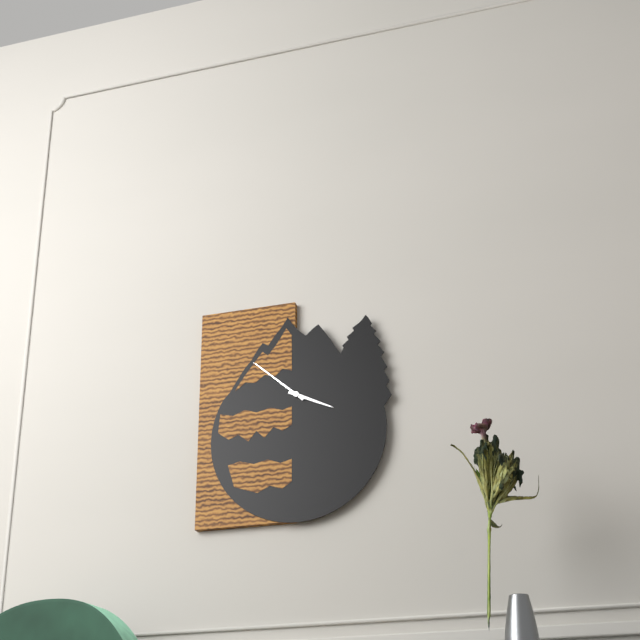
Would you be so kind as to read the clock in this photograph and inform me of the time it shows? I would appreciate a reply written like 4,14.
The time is 3,52
